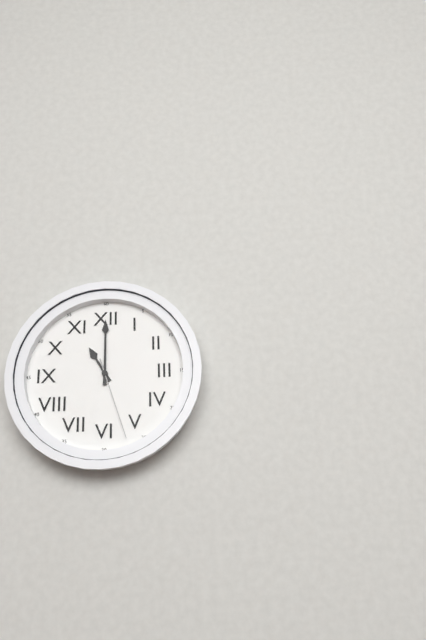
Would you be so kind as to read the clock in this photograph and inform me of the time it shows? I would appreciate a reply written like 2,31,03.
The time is 11,00,27
